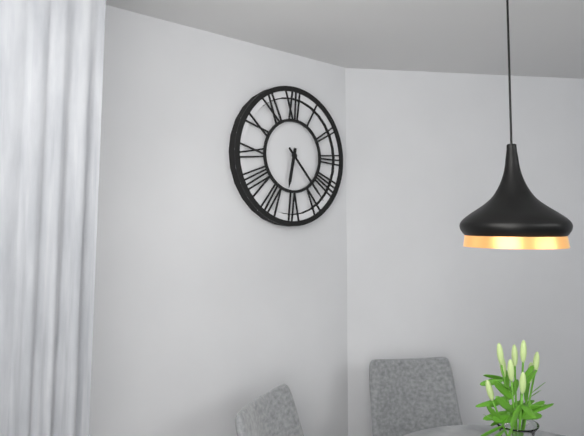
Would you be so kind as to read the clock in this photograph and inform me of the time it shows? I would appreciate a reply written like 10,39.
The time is 6,23
